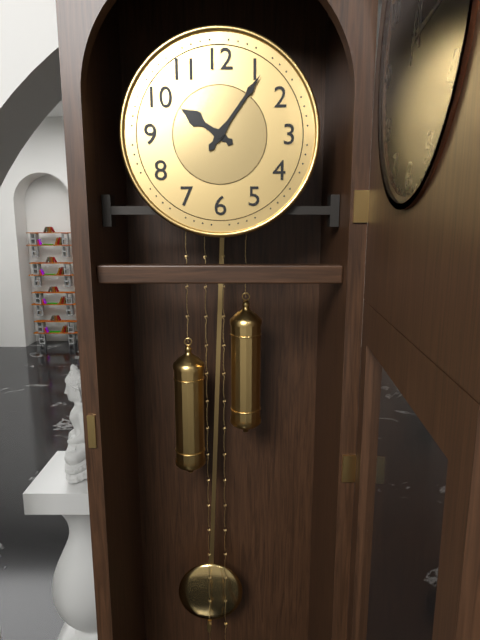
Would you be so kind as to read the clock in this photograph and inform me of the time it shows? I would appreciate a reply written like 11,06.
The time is 10,06
